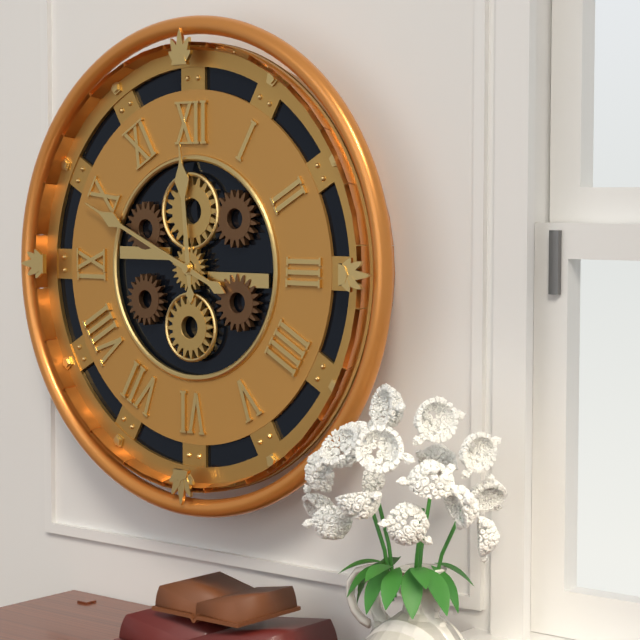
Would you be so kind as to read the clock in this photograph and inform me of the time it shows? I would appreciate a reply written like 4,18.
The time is 11,49
